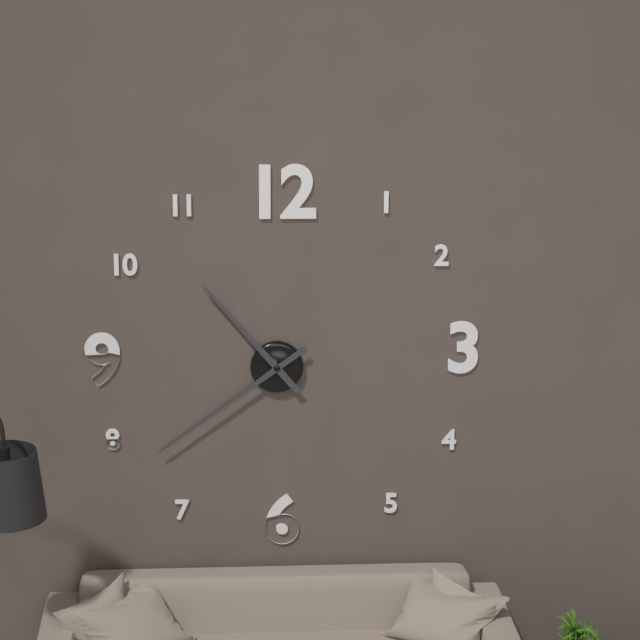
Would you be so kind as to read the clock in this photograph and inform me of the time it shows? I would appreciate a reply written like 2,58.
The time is 10,39
